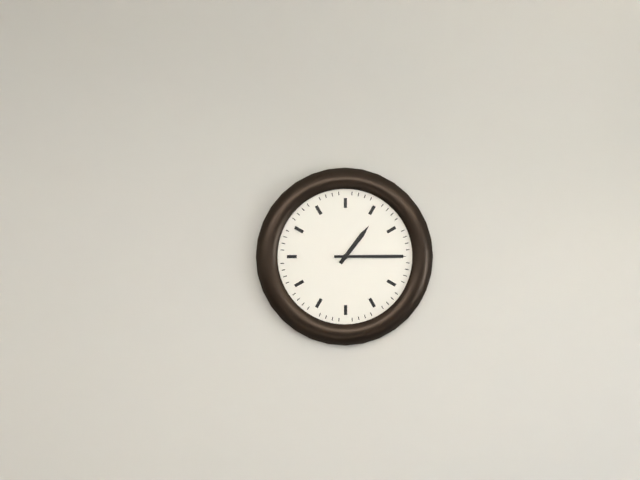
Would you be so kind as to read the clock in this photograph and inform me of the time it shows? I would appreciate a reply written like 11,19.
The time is 1,15
